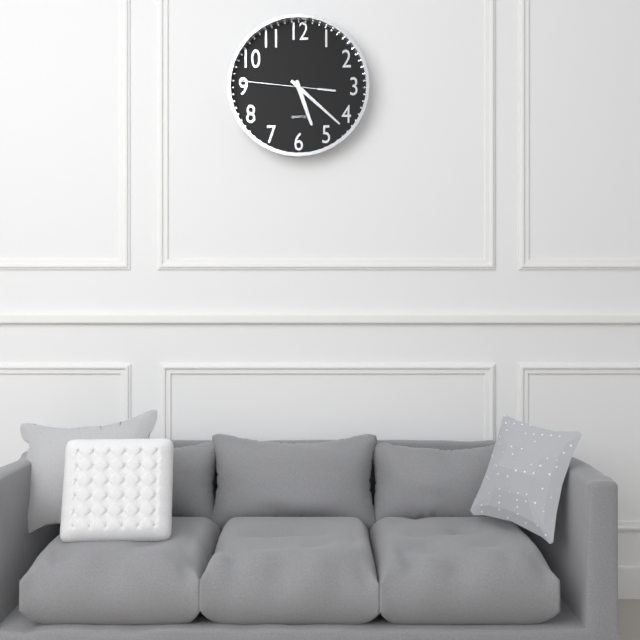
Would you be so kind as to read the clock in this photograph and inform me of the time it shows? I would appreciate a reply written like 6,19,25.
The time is 5,22,46
